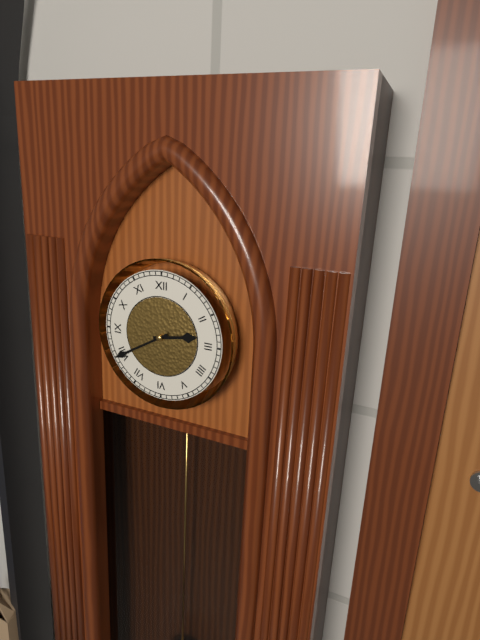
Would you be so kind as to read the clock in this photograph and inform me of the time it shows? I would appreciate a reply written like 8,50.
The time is 2,40
